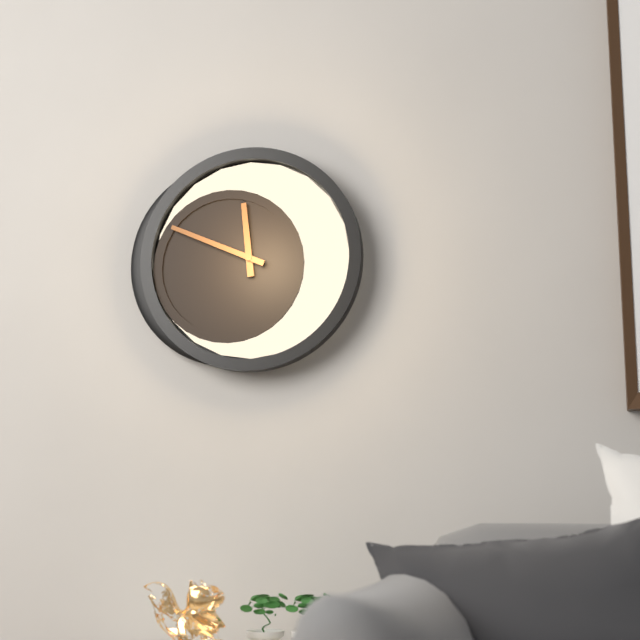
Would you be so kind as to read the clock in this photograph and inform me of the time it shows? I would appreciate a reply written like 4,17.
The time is 11,49
